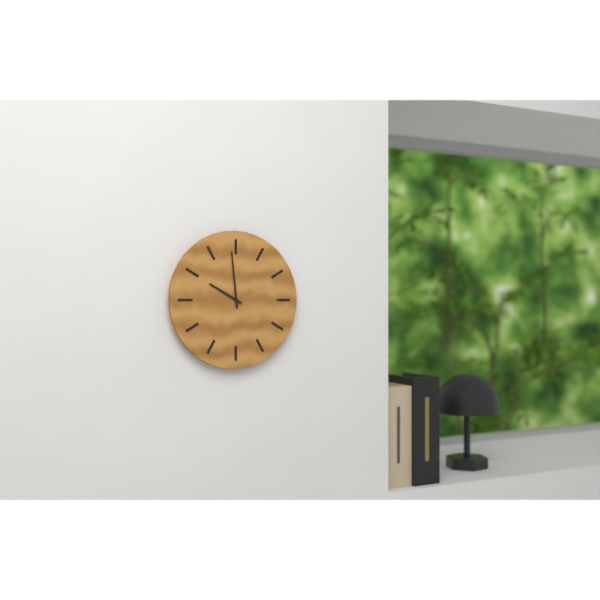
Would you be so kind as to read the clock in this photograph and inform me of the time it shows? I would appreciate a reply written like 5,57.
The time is 9,59
